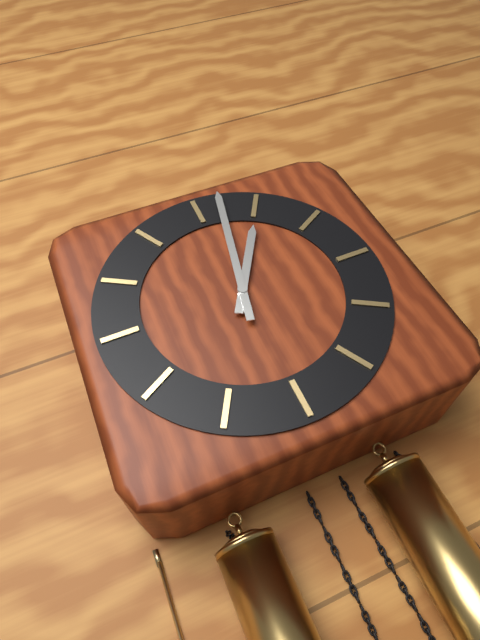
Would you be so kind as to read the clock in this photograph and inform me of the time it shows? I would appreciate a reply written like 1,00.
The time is 1,02
